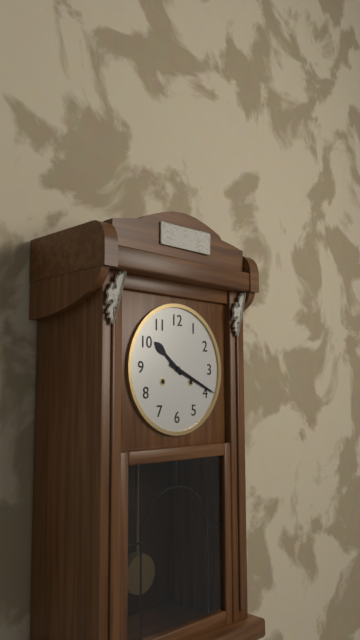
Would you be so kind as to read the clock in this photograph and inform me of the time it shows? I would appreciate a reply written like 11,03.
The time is 10,19
